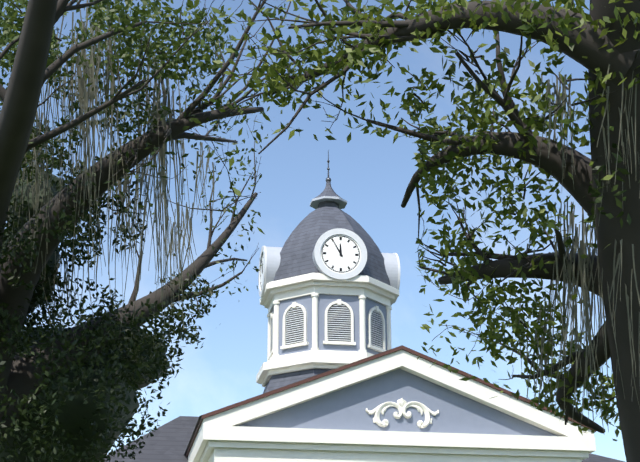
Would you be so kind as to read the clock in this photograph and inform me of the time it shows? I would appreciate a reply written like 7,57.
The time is 11,55
